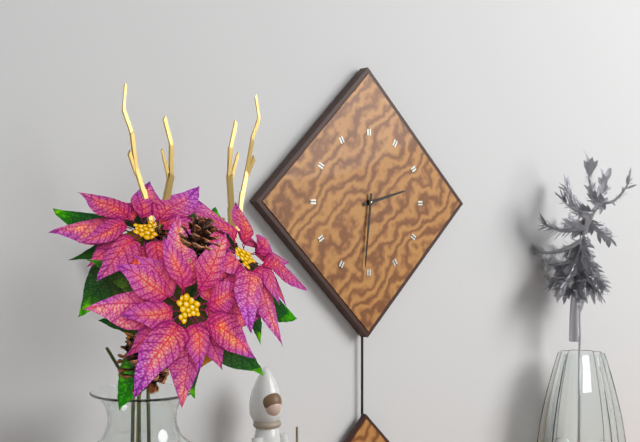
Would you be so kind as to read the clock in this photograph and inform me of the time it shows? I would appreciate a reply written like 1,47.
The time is 2,31
